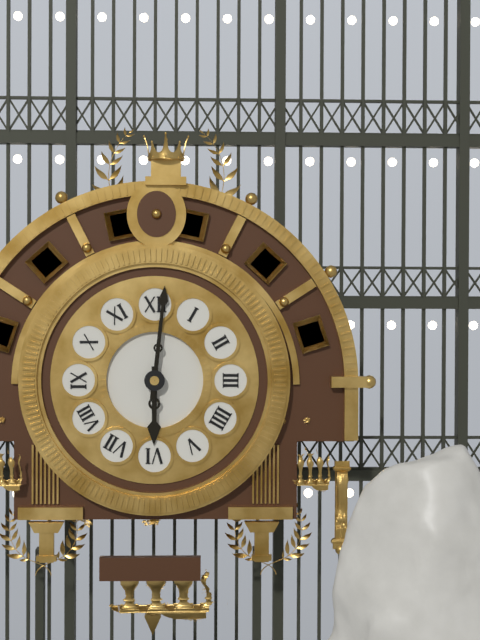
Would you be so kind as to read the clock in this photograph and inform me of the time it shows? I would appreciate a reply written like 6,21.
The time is 6,01
